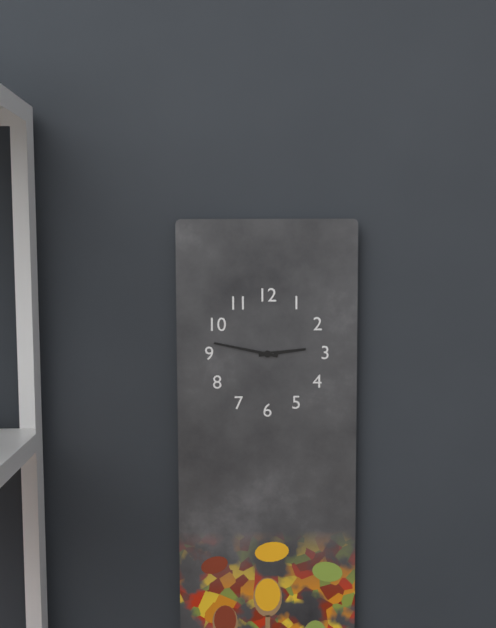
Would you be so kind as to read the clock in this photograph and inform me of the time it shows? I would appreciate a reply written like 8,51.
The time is 2,47
